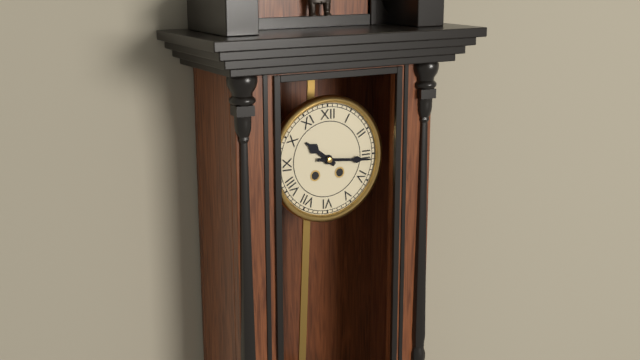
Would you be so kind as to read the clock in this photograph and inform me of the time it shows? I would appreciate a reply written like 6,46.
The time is 10,16
